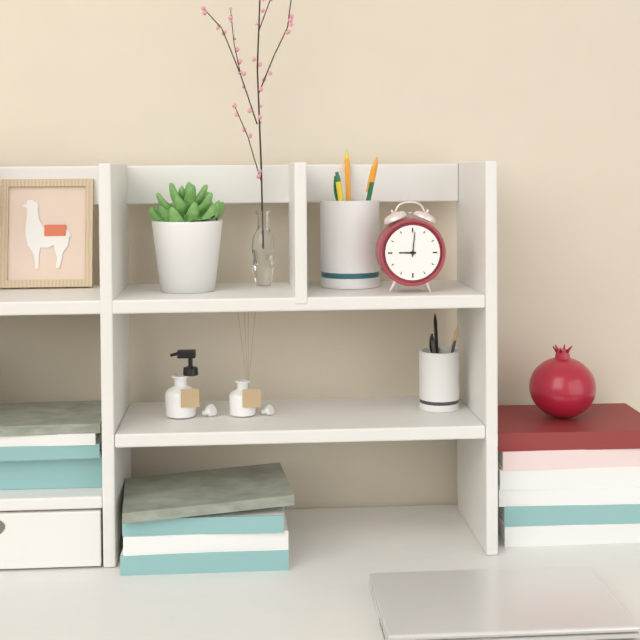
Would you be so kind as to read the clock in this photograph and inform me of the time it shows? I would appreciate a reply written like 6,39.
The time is 9,01
